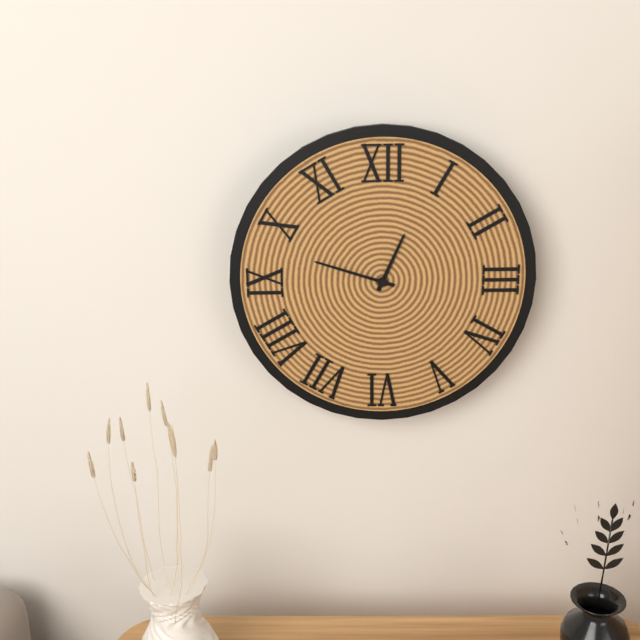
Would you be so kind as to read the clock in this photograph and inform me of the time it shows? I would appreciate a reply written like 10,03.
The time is 12,48
